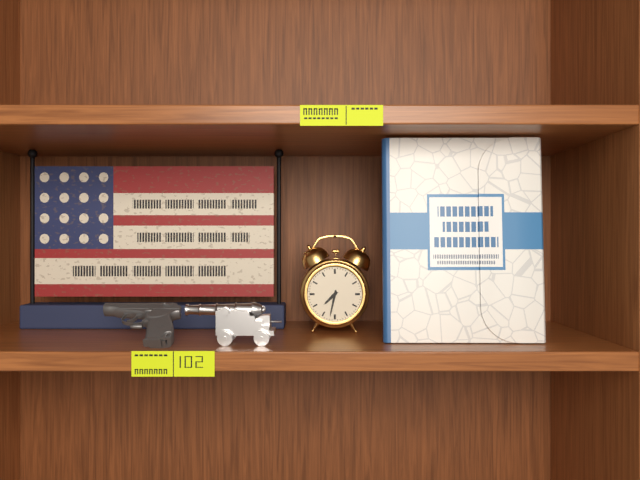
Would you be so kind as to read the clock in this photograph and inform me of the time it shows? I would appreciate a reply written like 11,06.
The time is 7,32
